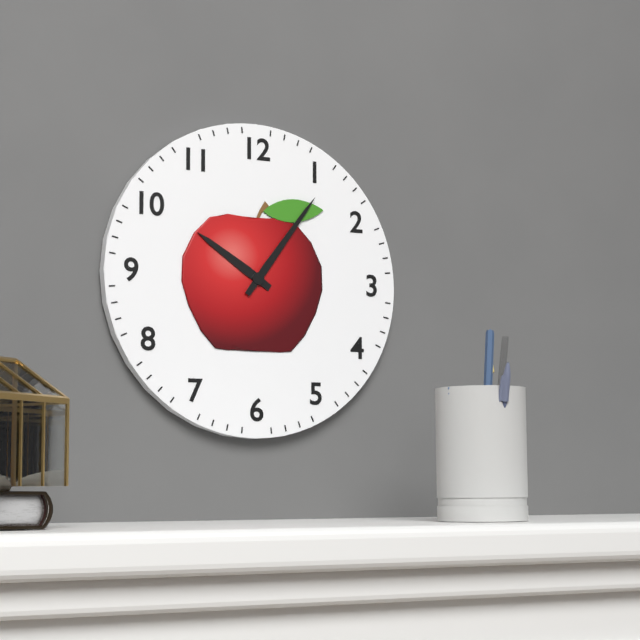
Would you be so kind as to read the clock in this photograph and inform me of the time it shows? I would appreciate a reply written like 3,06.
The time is 10,06
